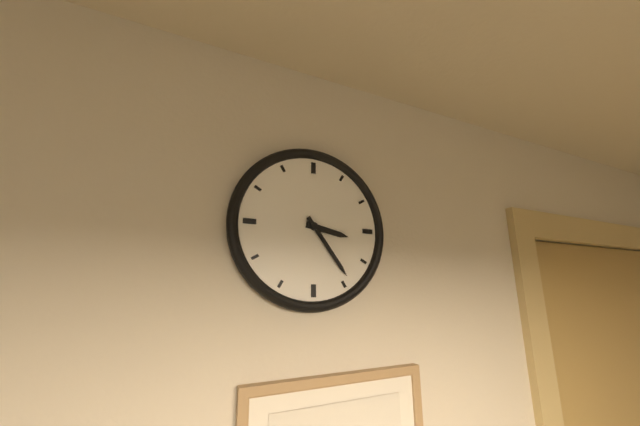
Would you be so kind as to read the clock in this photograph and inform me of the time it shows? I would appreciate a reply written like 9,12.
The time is 3,24
